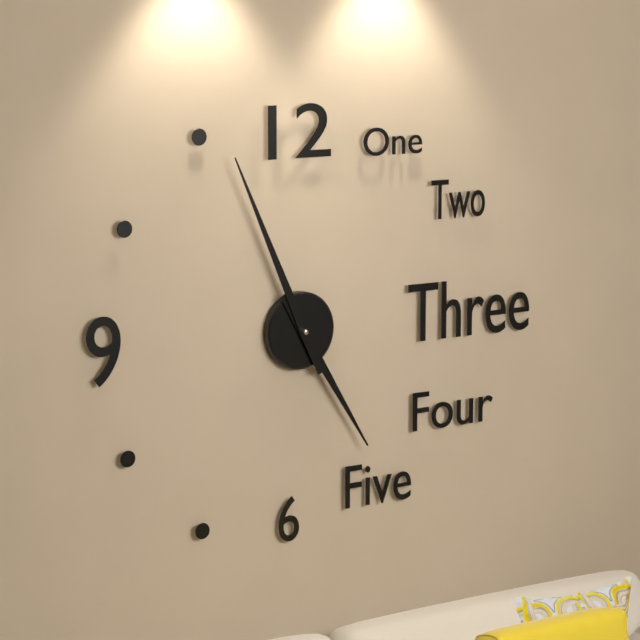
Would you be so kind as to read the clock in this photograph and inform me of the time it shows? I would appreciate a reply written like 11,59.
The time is 4,56
